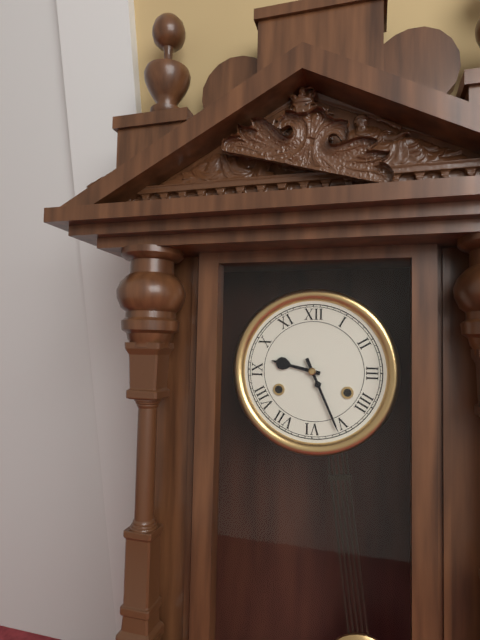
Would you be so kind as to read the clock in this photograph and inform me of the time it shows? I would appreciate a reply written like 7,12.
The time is 9,26
